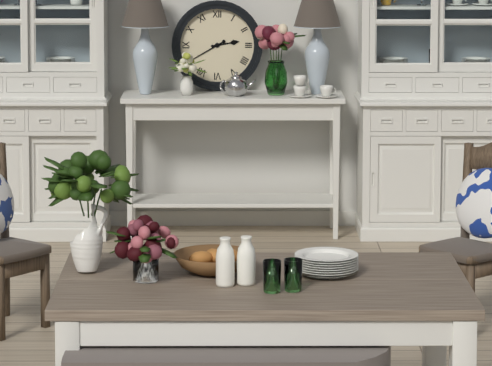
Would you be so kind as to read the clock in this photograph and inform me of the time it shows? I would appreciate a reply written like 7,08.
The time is 2,40
